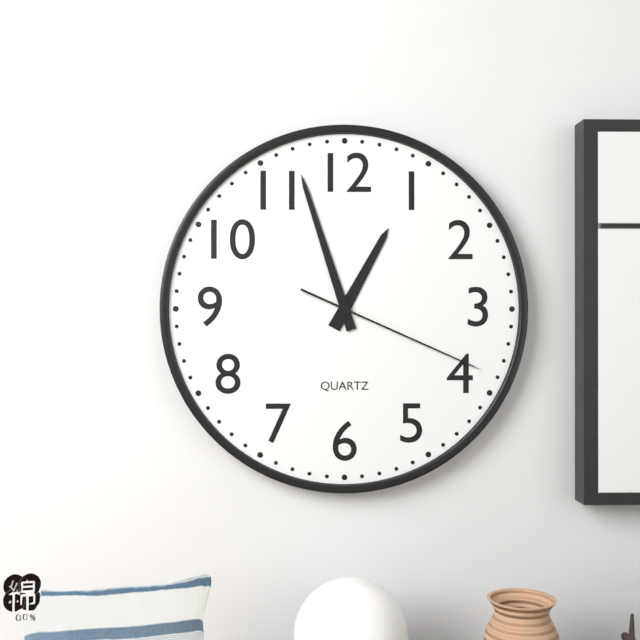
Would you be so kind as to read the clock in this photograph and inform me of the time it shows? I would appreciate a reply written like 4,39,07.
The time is 12,57,19
